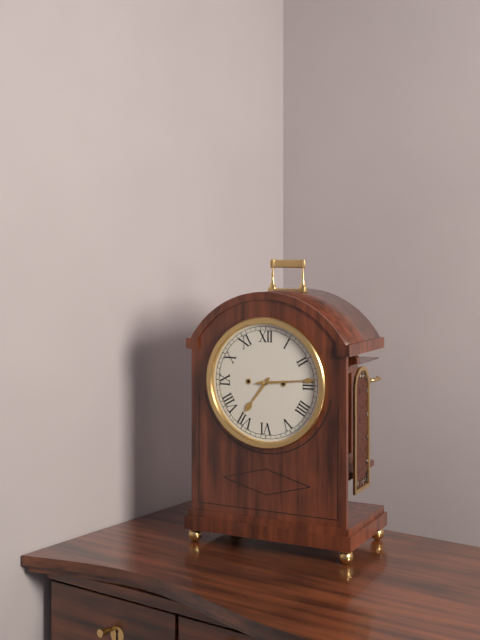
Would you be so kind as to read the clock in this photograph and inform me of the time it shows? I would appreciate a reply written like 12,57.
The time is 7,14
